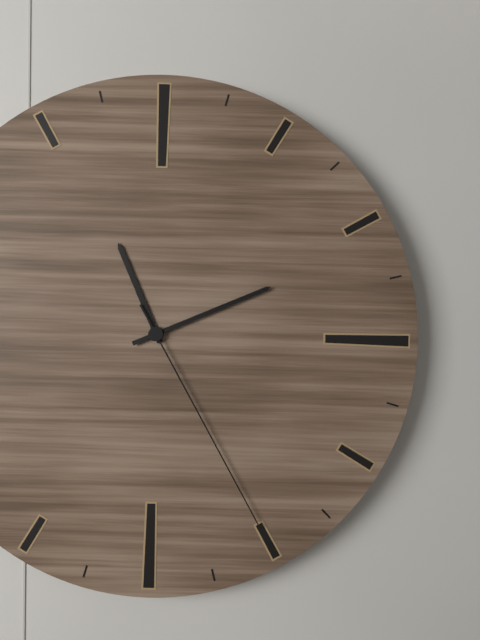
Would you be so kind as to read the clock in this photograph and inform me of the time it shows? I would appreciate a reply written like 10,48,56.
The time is 11,11,25
